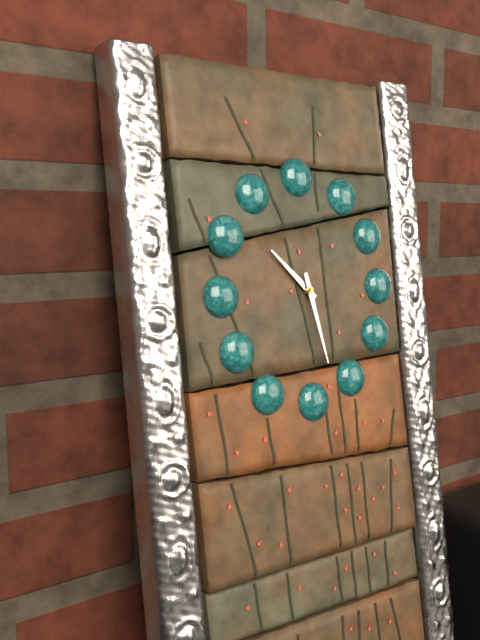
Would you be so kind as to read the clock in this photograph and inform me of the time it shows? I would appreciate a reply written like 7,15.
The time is 10,28
